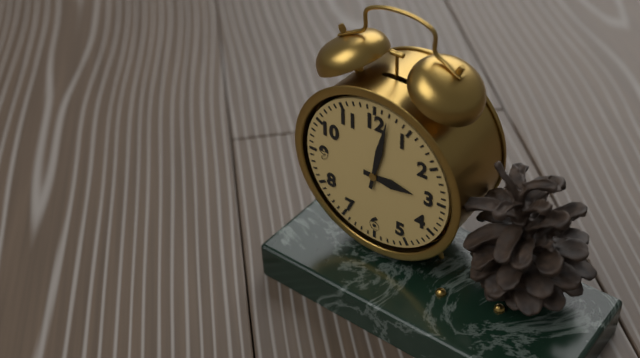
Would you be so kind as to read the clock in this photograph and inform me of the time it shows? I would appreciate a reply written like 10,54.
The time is 3,02
